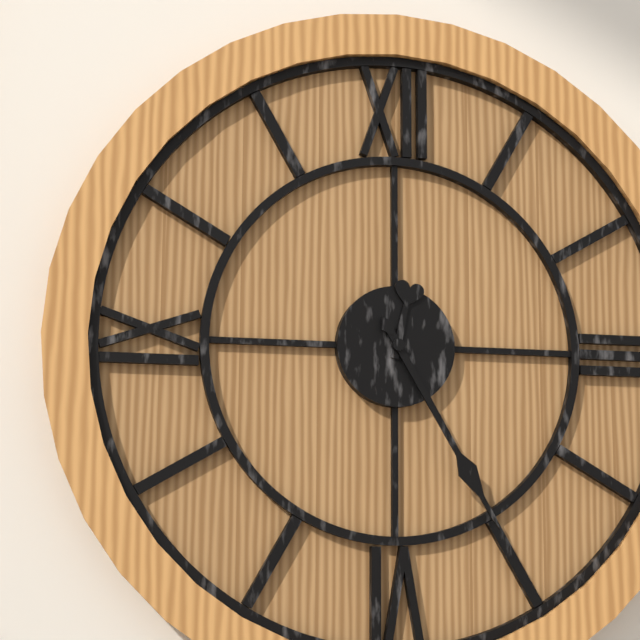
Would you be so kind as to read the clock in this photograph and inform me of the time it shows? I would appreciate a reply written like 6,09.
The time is 12,25
